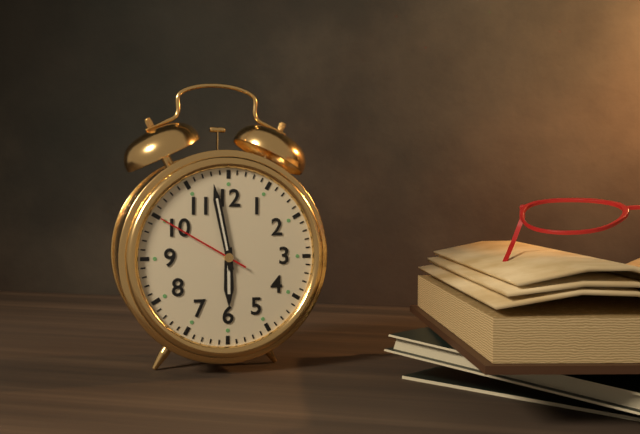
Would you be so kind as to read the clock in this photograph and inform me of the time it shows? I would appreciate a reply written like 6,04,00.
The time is 5,58,50
